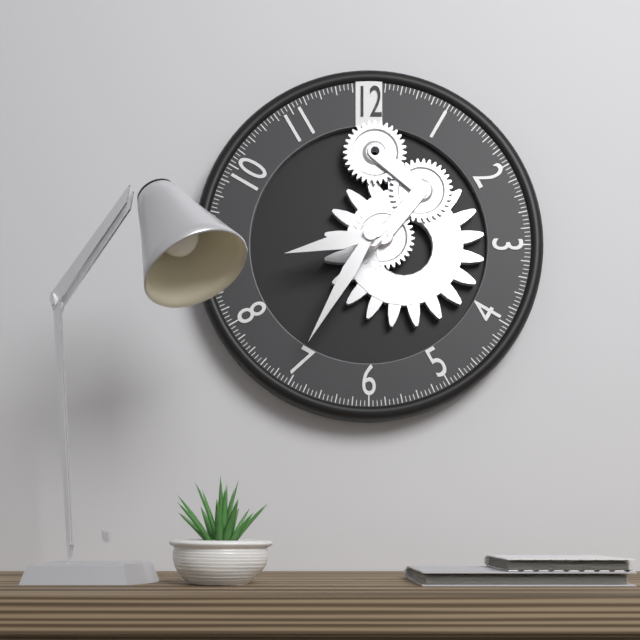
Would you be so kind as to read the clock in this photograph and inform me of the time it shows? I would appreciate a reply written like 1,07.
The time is 8,35
